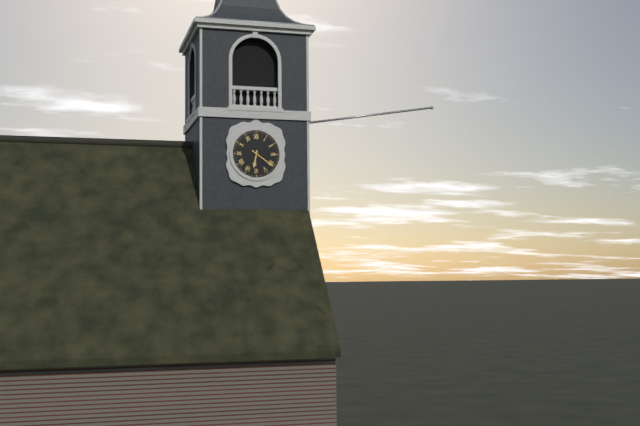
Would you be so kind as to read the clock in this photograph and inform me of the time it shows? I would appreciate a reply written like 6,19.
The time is 6,21
